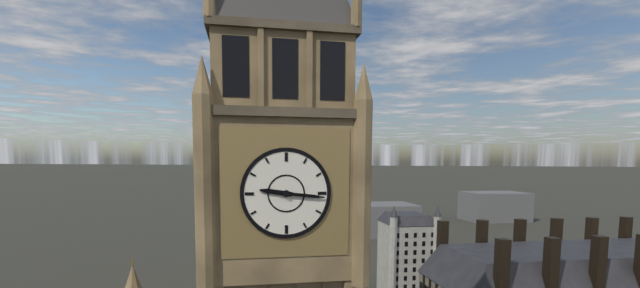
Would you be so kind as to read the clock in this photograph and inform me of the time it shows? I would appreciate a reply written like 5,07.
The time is 9,16
